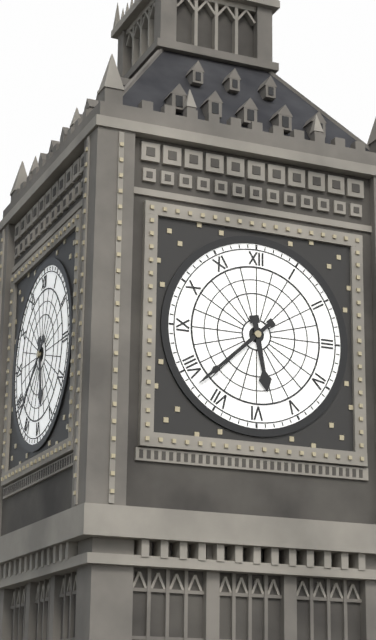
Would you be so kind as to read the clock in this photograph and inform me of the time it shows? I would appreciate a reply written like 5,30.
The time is 5,38
